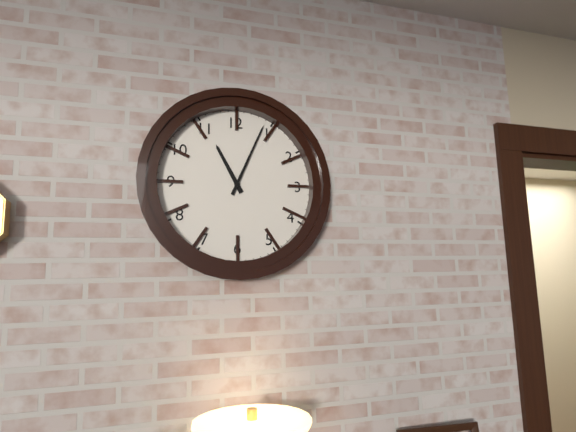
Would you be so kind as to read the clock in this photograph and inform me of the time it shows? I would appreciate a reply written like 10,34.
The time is 11,04
